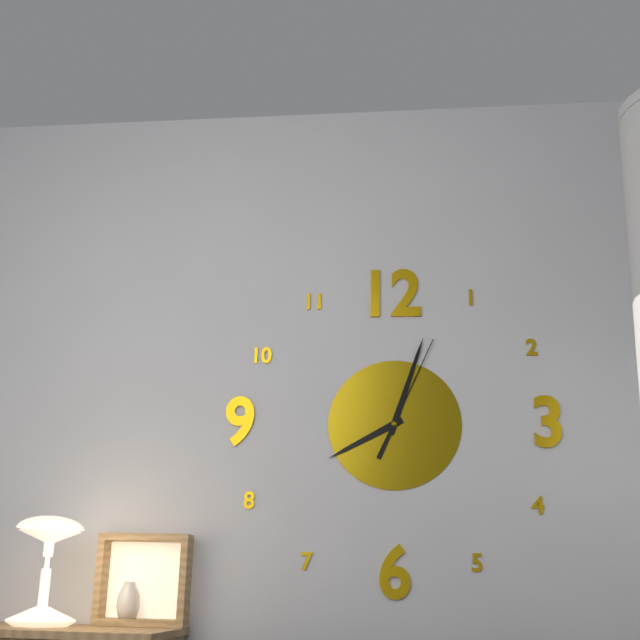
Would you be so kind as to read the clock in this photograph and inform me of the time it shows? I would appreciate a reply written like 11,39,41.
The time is 8,03,04
